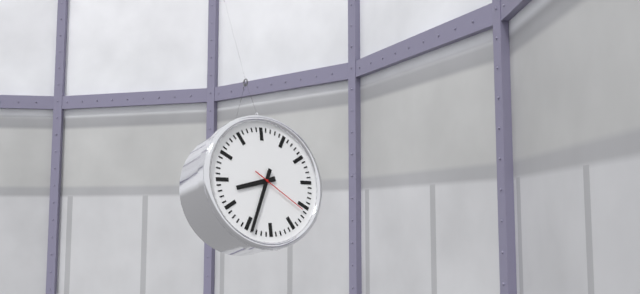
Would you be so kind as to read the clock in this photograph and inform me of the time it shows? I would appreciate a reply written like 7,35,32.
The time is 8,34,21
